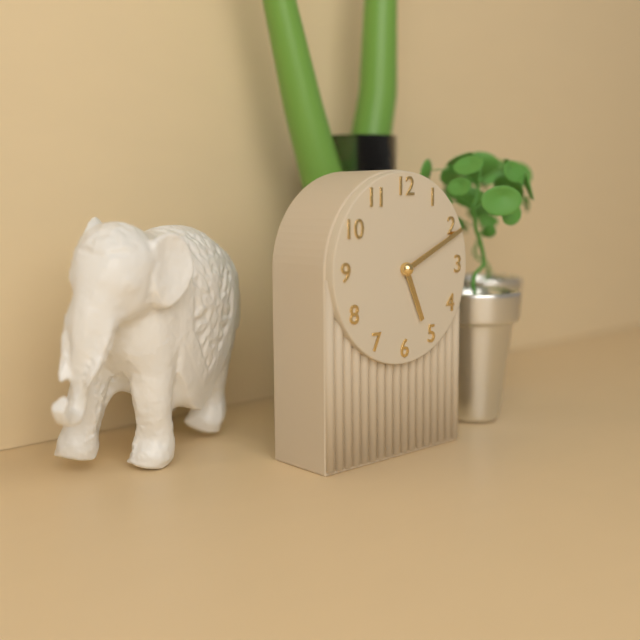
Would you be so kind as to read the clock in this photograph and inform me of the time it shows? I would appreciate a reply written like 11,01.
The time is 5,11
